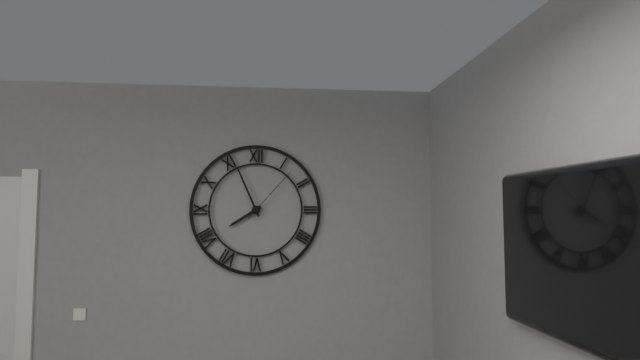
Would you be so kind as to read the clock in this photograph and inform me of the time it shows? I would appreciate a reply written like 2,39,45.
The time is 7,56,07
